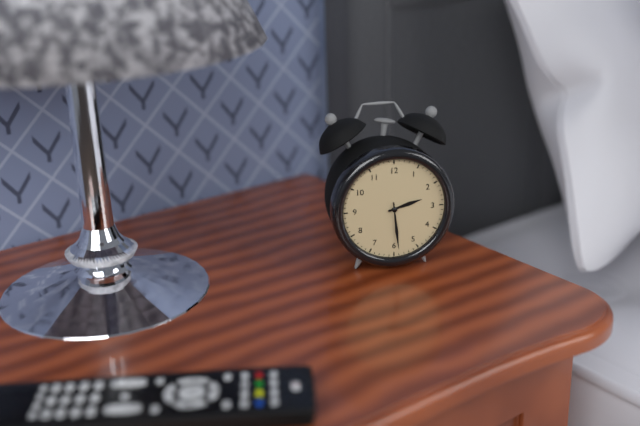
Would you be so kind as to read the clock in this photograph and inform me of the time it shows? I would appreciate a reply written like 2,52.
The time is 2,29
